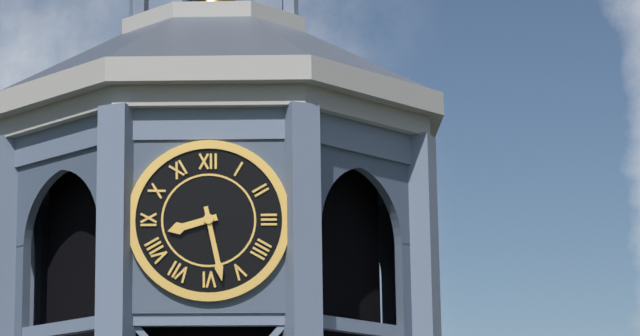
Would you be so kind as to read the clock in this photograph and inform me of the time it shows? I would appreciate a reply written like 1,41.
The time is 8,28
